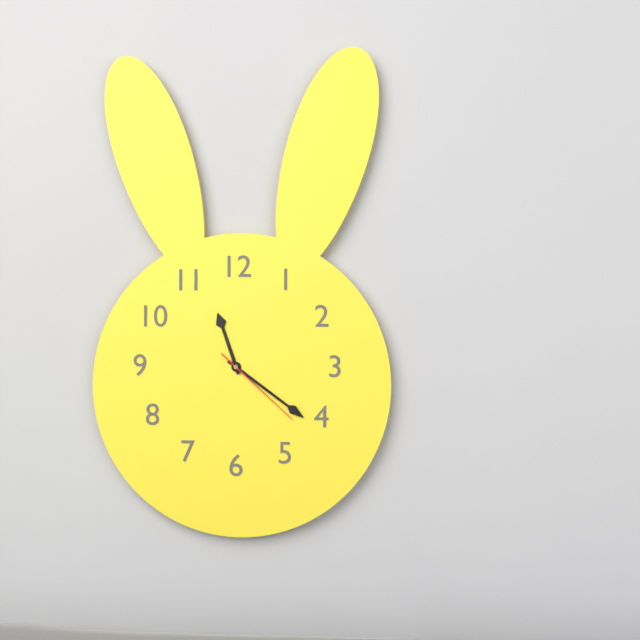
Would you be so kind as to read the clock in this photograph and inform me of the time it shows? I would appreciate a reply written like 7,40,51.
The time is 11,21,22
